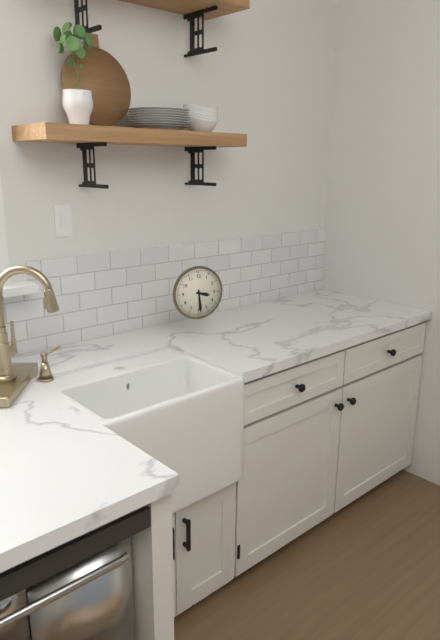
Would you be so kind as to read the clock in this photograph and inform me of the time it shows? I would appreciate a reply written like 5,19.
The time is 3,29
